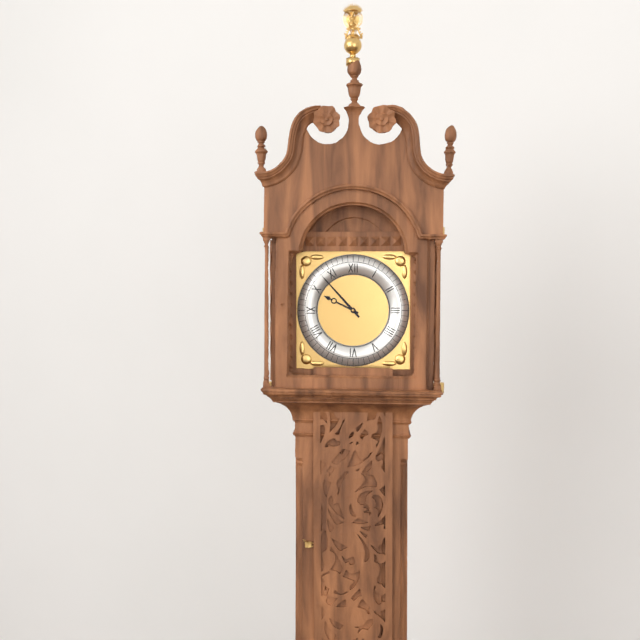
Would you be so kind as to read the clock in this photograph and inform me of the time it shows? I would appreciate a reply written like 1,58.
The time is 9,53
